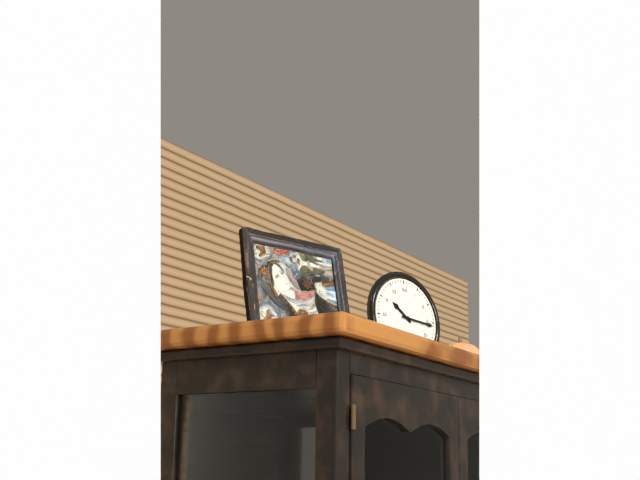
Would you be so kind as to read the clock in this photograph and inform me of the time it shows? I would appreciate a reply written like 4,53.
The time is 10,16
